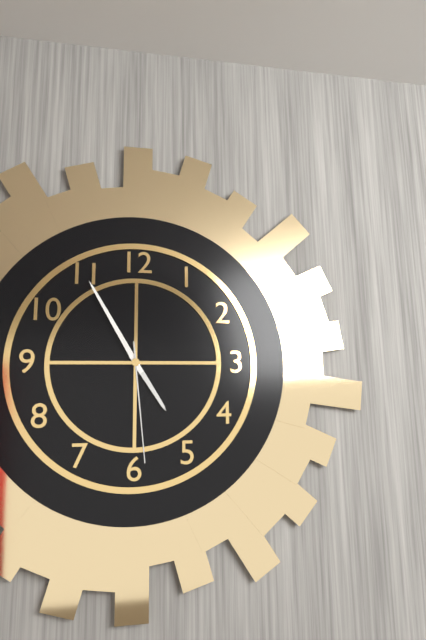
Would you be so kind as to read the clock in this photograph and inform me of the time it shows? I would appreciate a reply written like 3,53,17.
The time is 4,55,29
